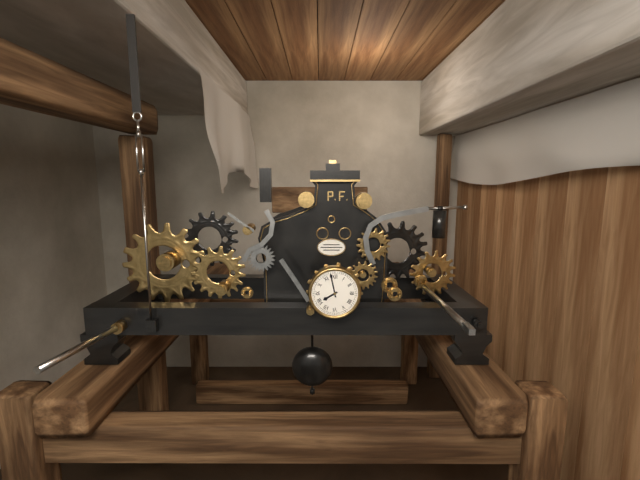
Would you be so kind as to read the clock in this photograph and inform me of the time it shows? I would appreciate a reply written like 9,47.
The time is 7,58
